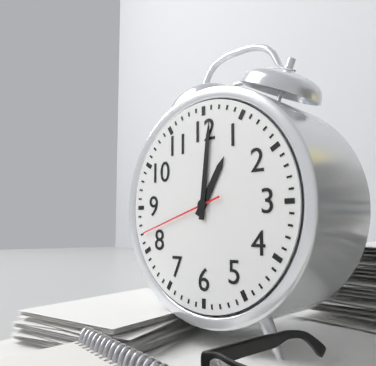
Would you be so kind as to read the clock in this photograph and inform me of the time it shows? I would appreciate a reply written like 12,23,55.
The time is 1,01,42
